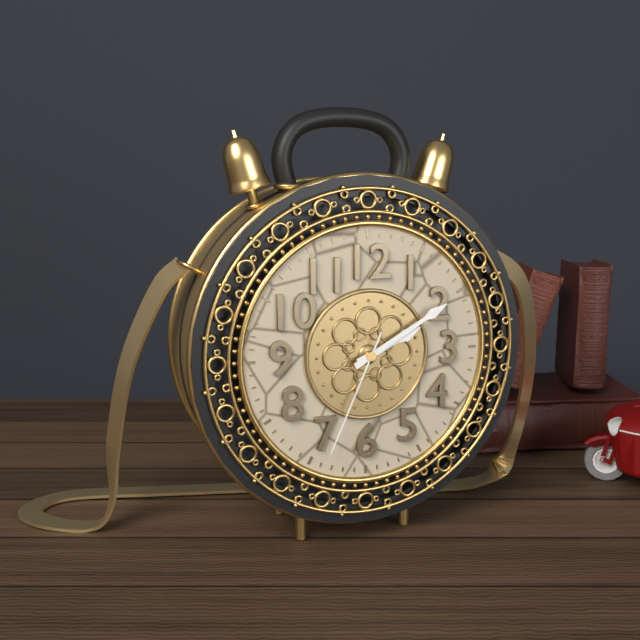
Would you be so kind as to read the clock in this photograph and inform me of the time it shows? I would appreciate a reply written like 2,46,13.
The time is 2,10,34
